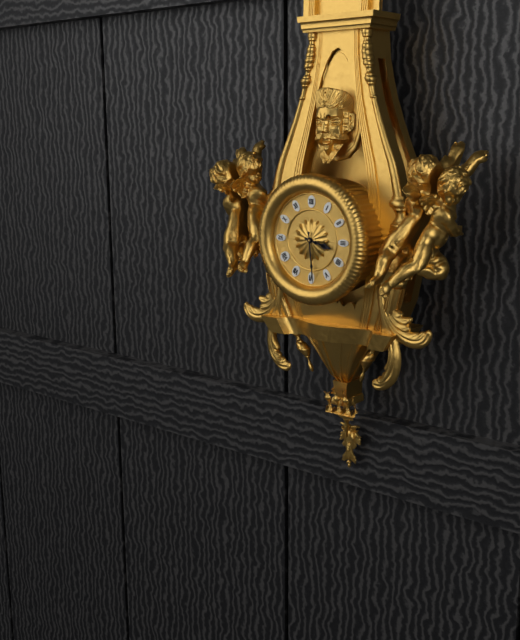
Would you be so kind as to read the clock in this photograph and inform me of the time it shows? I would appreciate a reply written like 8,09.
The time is 3,29
